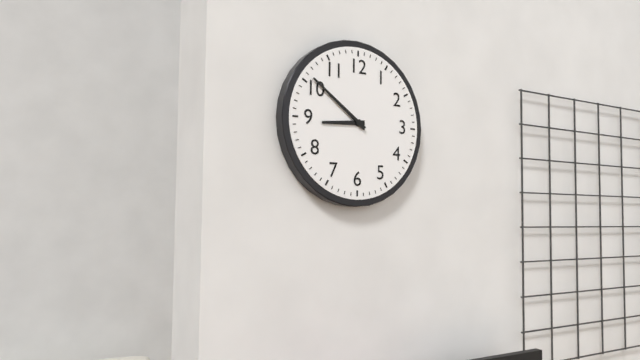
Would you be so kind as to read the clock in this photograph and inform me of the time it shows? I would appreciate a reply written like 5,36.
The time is 8,51
